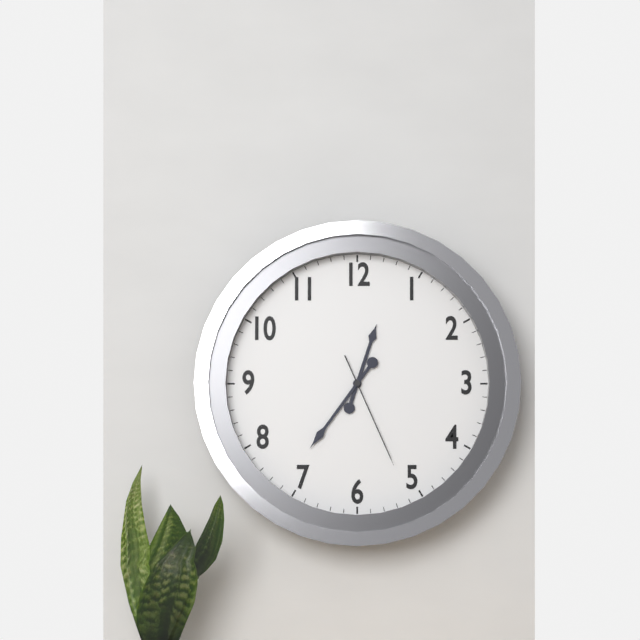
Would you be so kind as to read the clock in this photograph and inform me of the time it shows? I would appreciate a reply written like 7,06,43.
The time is 12,36,26
